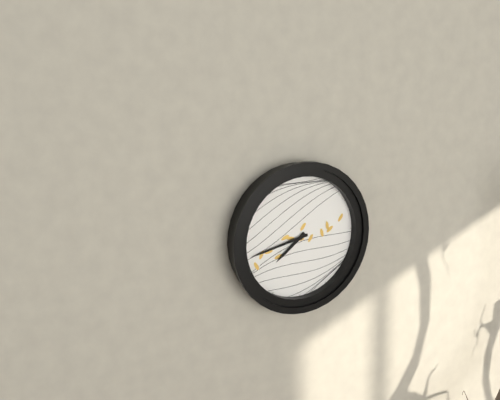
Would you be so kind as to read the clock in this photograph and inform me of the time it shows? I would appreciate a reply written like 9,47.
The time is 7,43
